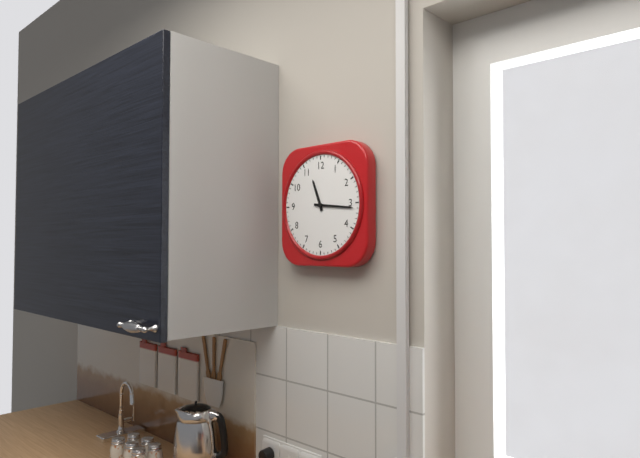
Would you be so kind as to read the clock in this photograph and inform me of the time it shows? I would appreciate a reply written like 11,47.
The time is 11,16
